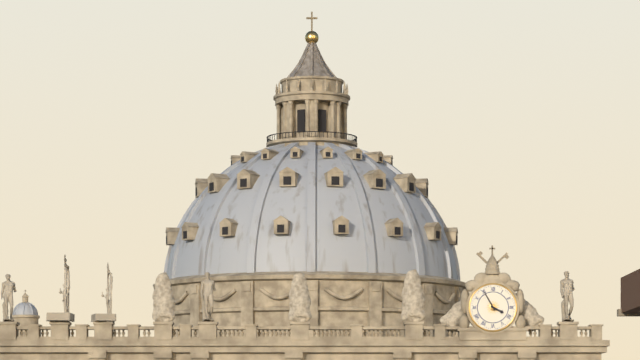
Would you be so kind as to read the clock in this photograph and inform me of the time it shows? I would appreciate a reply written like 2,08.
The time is 3,55
